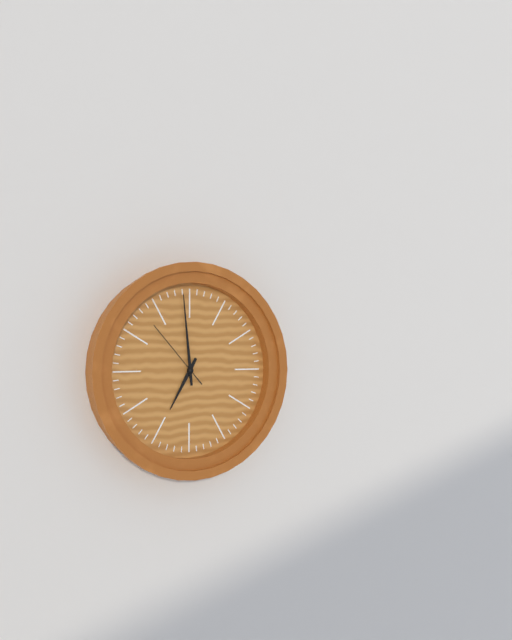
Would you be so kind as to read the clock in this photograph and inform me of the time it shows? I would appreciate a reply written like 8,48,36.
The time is 6,59,53
